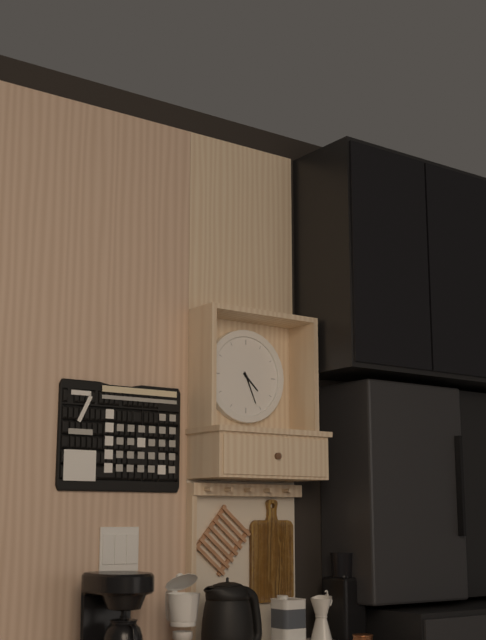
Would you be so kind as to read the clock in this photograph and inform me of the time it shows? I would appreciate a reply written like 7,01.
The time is 4,26
